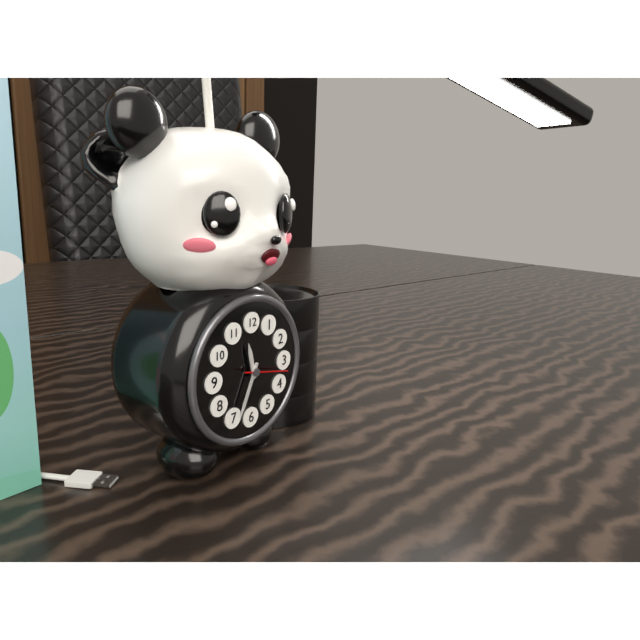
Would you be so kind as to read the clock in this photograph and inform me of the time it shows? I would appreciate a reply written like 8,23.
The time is 11,34
